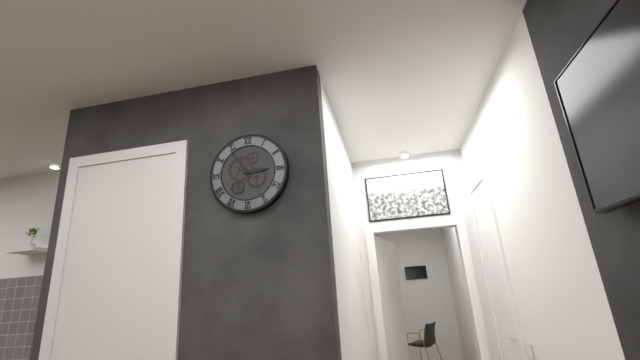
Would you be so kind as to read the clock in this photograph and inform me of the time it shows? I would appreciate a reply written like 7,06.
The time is 2,54
